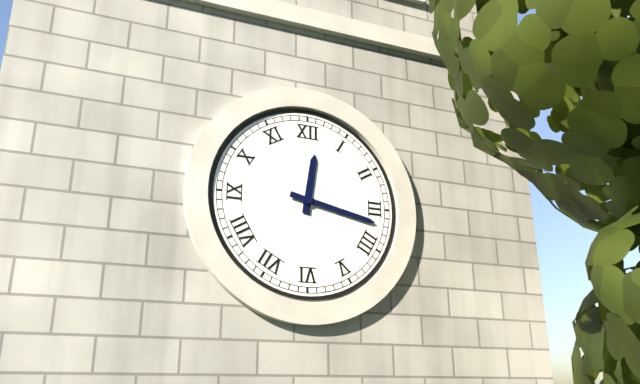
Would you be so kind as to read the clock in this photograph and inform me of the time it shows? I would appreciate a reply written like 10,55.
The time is 12,17
